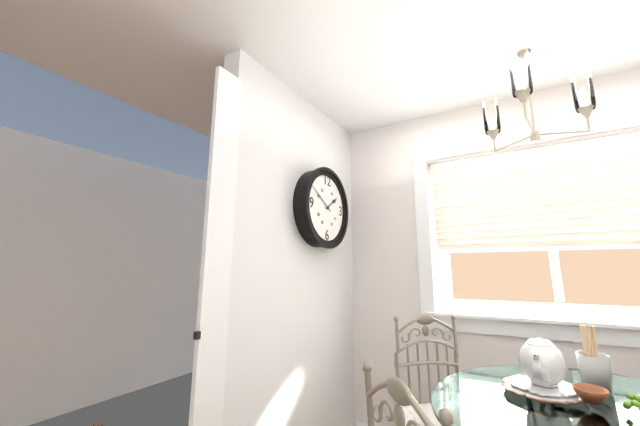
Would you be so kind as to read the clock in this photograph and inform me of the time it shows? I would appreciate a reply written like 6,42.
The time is 1,50
